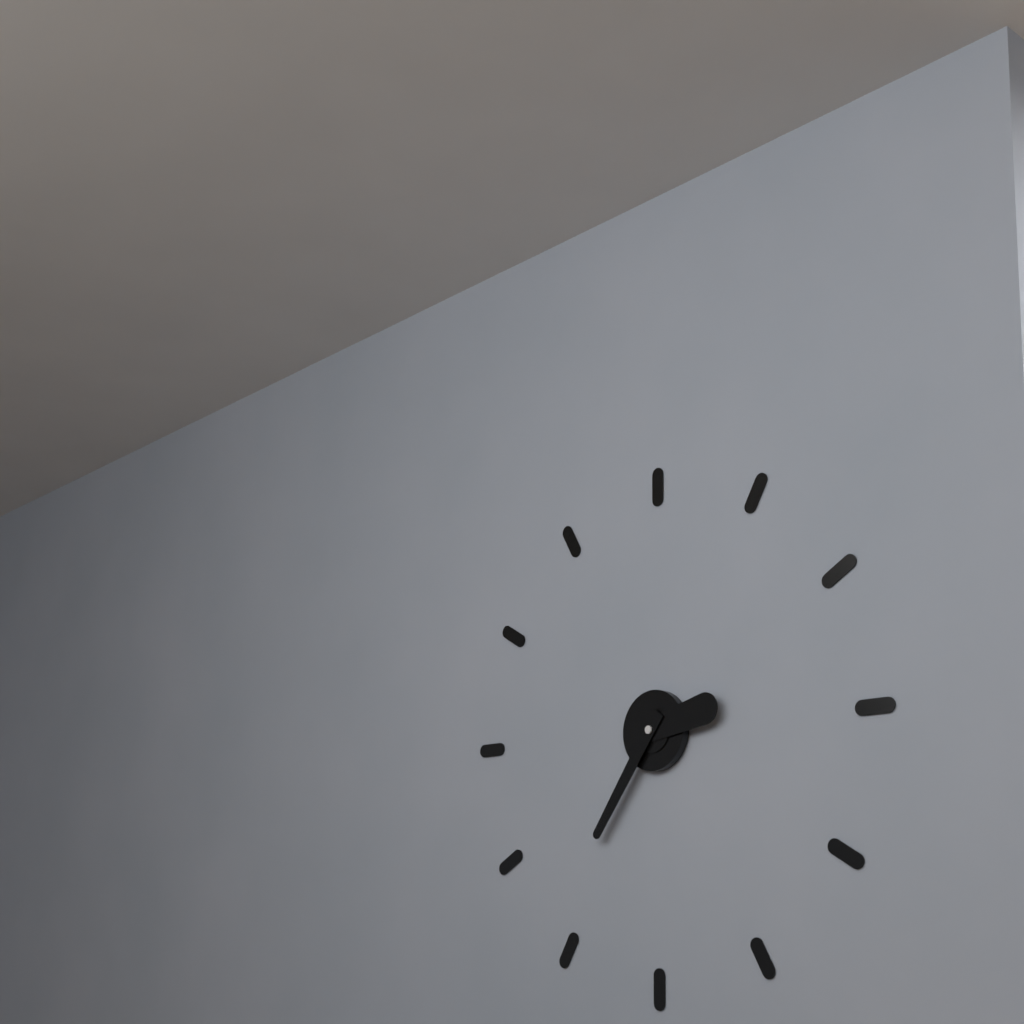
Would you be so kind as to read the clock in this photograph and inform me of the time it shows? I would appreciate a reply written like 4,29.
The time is 2,36
